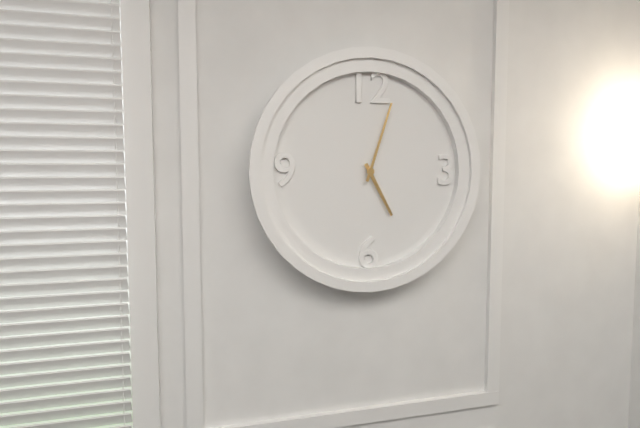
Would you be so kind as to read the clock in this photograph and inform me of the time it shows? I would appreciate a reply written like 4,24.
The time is 5,03
